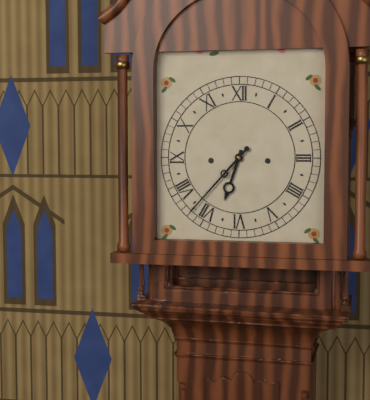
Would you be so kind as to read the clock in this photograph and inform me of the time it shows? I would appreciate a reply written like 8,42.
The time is 6,37
